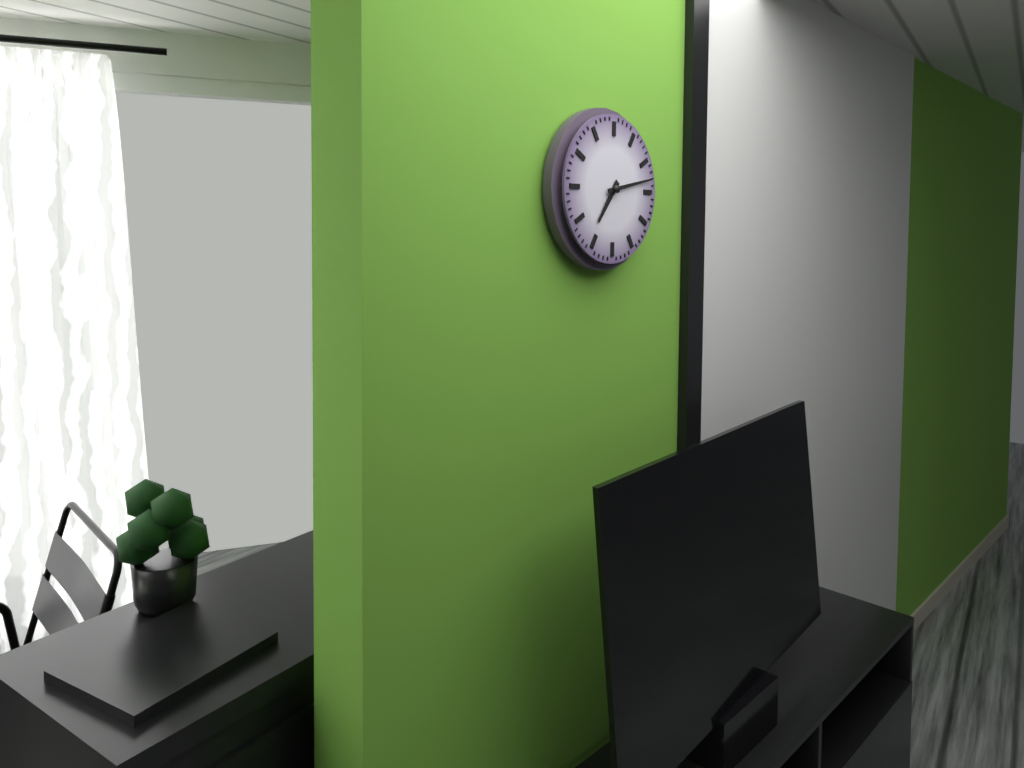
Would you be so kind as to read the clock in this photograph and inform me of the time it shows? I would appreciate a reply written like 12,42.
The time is 7,13
